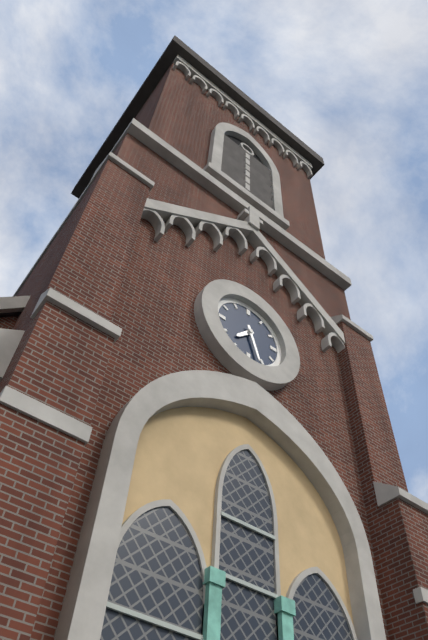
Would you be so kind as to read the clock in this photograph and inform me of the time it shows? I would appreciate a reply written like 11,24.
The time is 7,27
